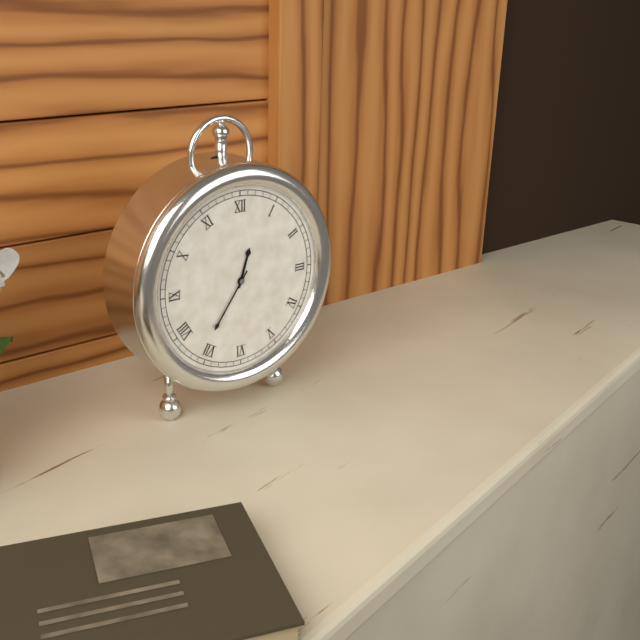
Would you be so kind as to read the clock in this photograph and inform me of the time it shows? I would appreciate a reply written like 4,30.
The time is 12,36
